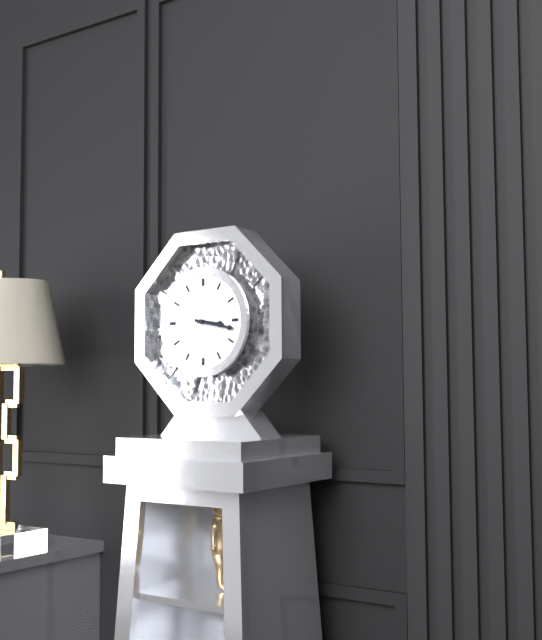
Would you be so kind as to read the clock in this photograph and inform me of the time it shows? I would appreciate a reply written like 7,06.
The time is 3,17
